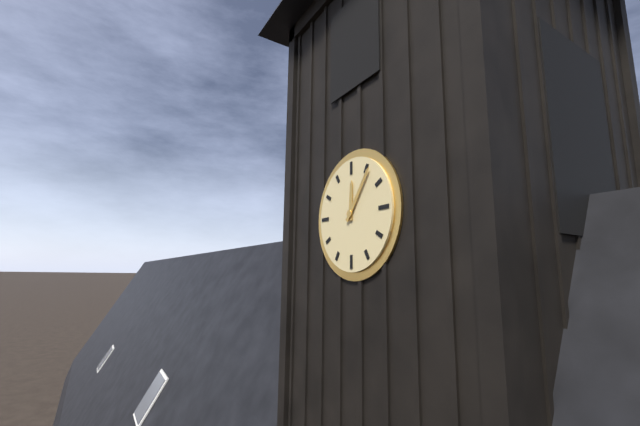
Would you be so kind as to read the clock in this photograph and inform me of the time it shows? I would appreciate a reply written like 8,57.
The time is 12,06
